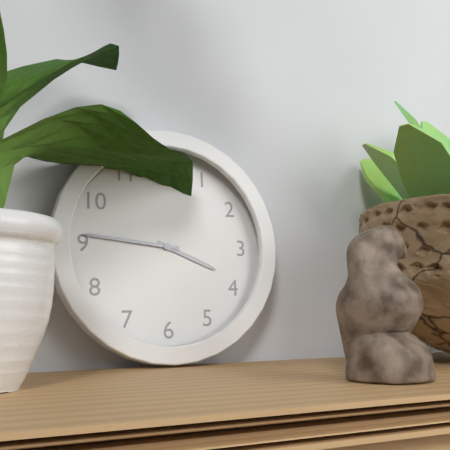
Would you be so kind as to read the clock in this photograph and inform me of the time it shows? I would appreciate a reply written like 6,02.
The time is 3,46
